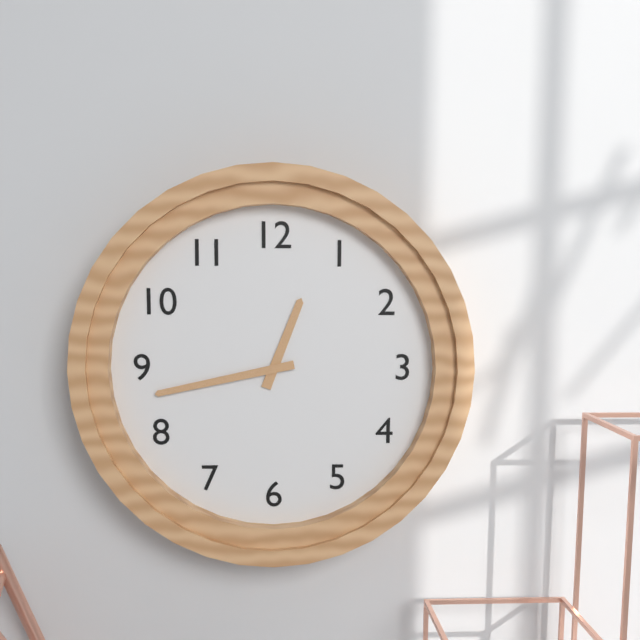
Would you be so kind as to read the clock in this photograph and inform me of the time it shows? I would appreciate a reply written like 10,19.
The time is 12,43
